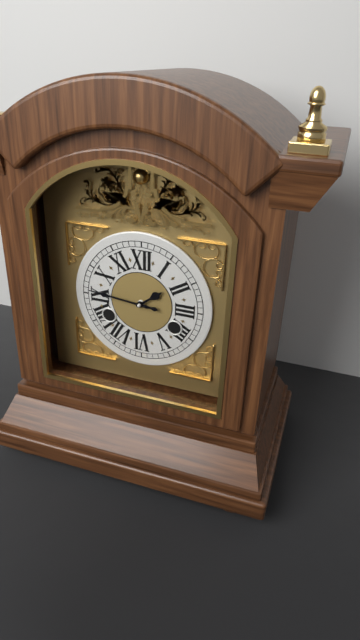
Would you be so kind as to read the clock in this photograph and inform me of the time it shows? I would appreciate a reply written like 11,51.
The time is 1,46
